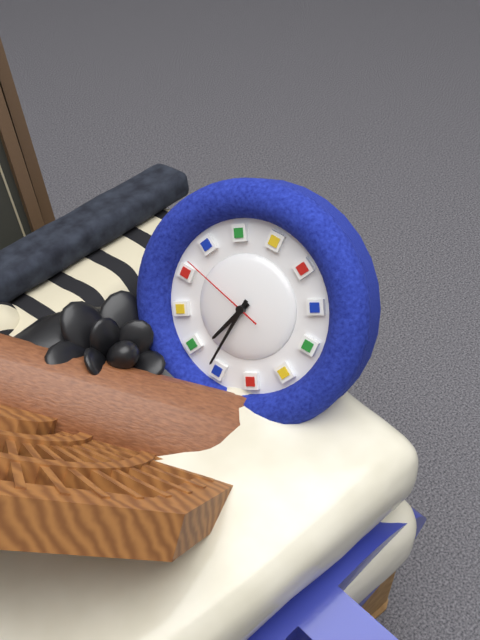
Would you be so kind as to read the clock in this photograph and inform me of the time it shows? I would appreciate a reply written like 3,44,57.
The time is 8,41,57
